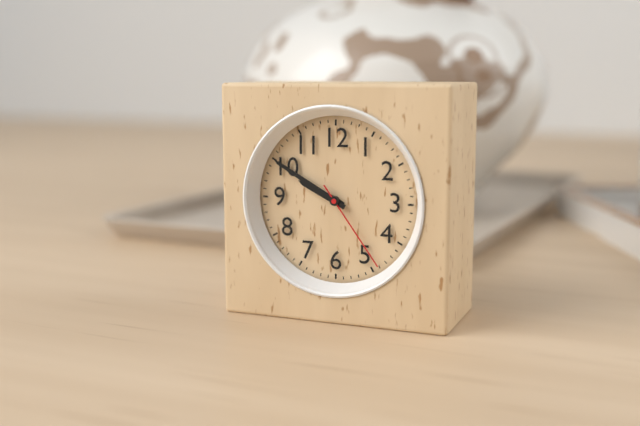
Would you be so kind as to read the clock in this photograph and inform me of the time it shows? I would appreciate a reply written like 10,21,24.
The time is 9,50,24
